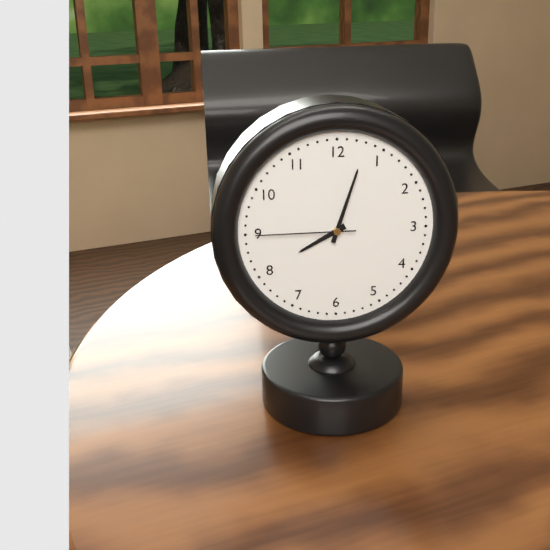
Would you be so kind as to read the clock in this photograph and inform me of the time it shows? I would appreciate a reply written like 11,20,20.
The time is 8,03,45
